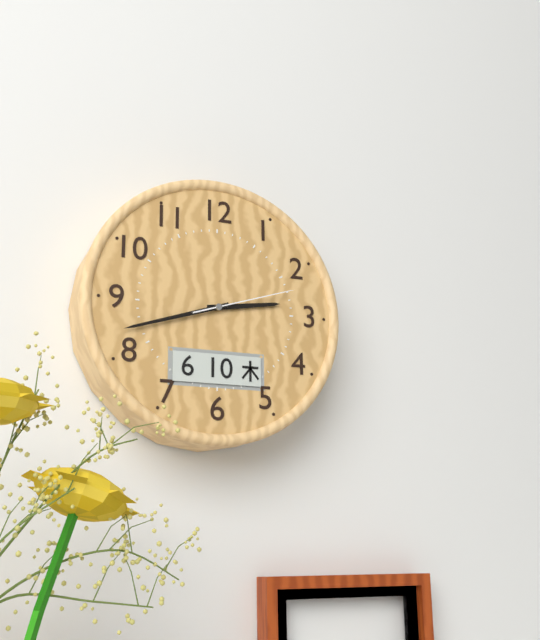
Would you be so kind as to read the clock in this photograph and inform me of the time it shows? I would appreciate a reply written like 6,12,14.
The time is 2,42,12
